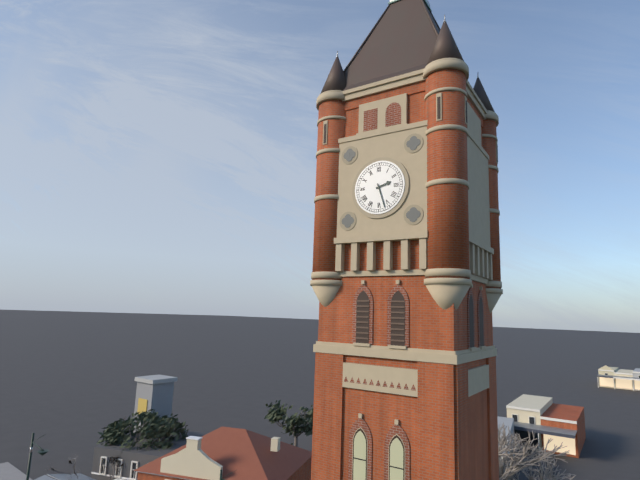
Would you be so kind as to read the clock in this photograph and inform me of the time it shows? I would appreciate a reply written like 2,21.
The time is 2,27
